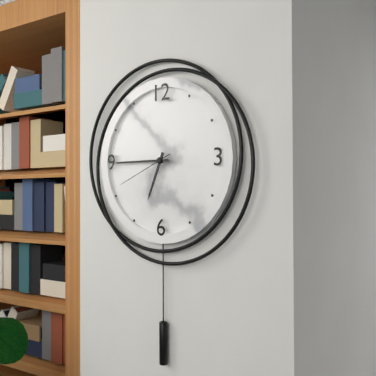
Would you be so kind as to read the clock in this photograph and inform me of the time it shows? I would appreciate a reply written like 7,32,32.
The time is 6,45,41
